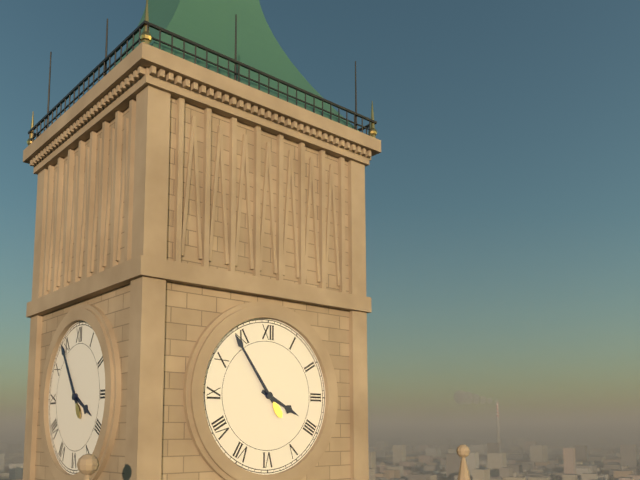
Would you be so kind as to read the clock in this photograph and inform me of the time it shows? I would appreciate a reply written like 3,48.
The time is 3,54
